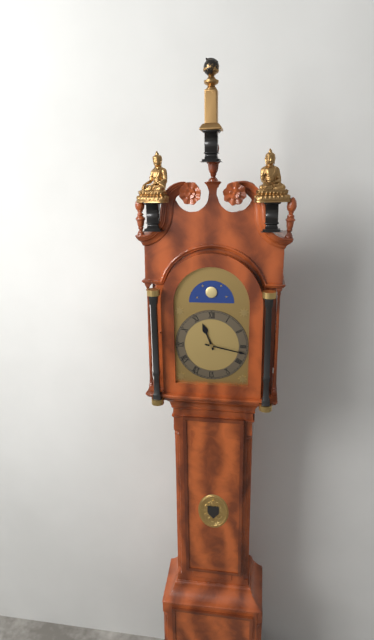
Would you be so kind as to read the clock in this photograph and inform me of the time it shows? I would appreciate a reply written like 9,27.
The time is 11,17
